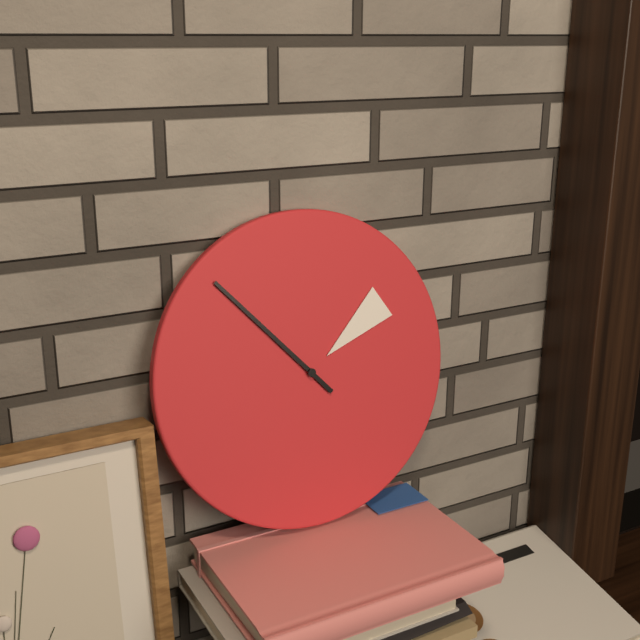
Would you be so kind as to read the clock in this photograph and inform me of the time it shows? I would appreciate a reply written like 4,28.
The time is 1,53
